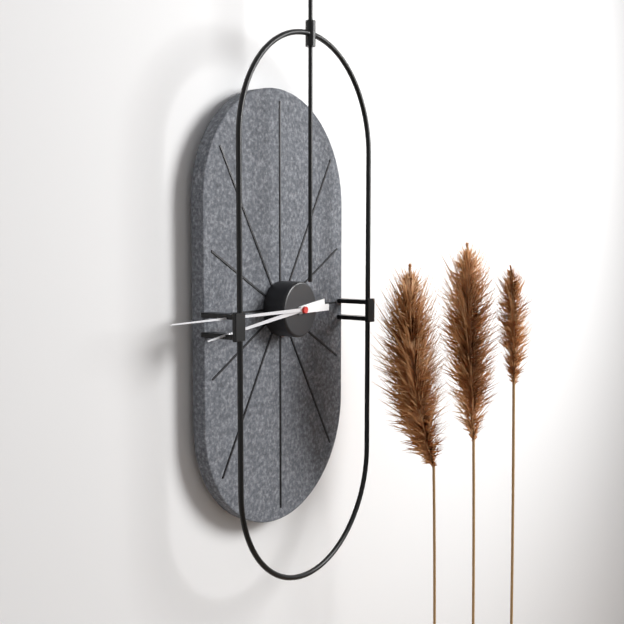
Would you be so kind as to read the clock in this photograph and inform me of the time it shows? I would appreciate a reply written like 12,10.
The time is 8,45
